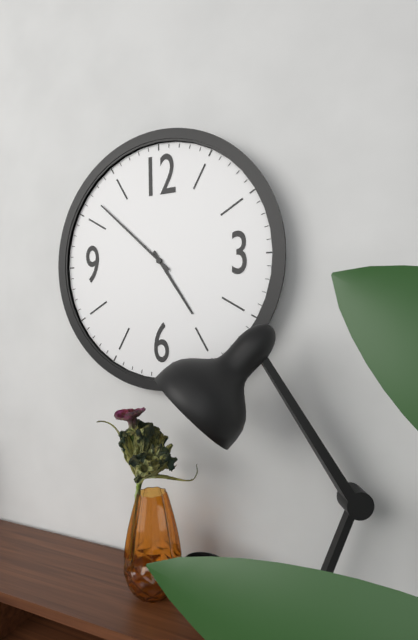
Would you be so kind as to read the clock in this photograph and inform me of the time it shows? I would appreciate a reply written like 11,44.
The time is 4,52
